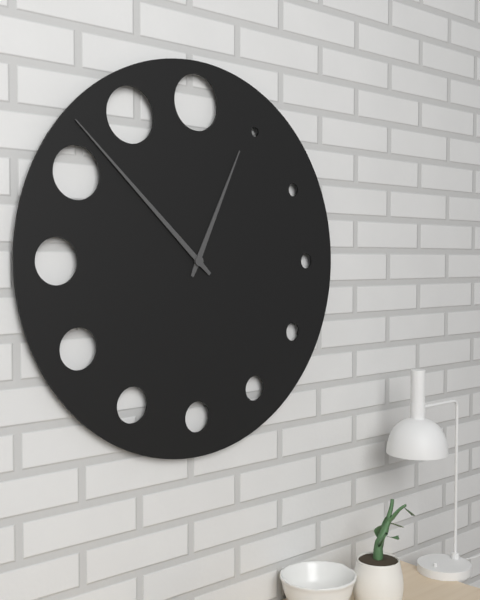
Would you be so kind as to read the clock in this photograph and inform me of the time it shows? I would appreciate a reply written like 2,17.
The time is 12,52
